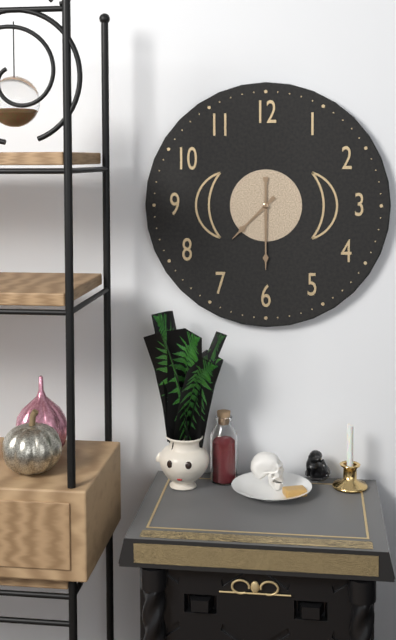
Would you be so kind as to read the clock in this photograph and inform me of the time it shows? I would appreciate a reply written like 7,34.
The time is 7,30
